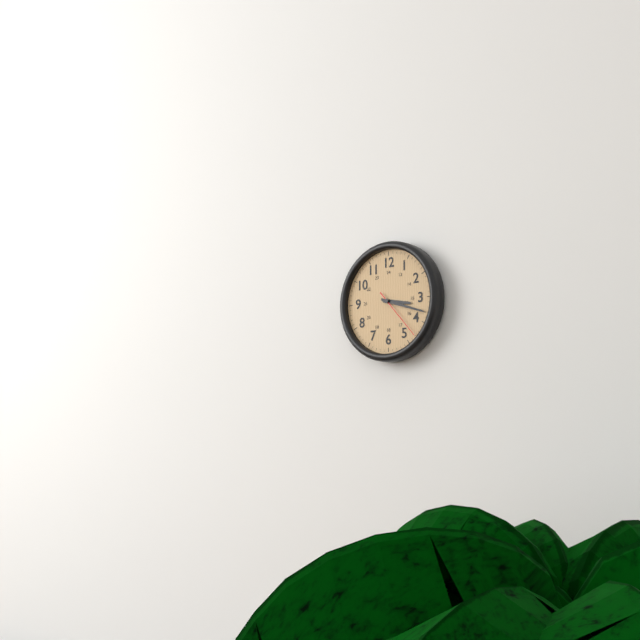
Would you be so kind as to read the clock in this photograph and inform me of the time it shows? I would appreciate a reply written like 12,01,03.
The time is 3,18,23
